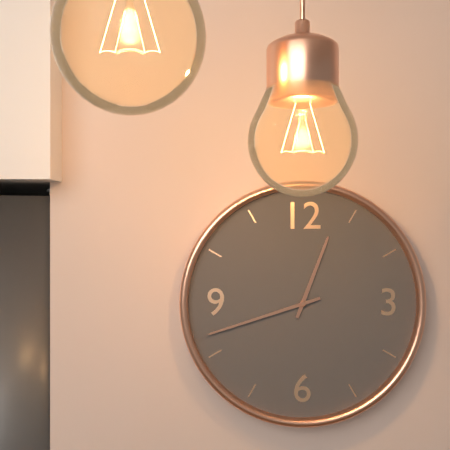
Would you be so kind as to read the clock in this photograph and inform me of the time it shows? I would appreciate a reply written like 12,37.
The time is 12,42
